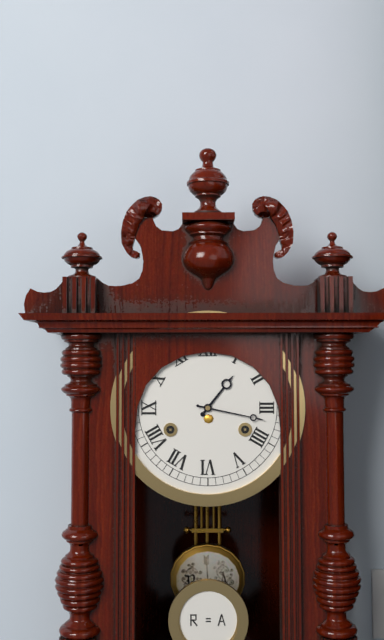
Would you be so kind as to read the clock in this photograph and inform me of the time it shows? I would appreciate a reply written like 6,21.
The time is 1,17
